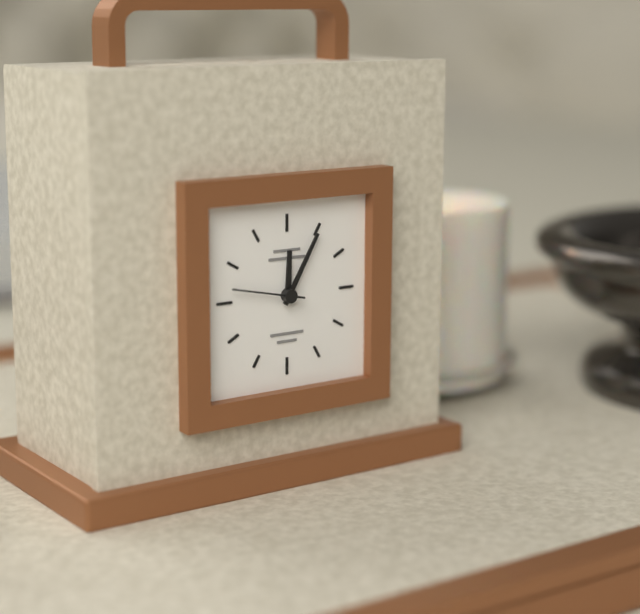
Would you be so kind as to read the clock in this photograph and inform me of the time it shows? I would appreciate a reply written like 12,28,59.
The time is 12,05,47
